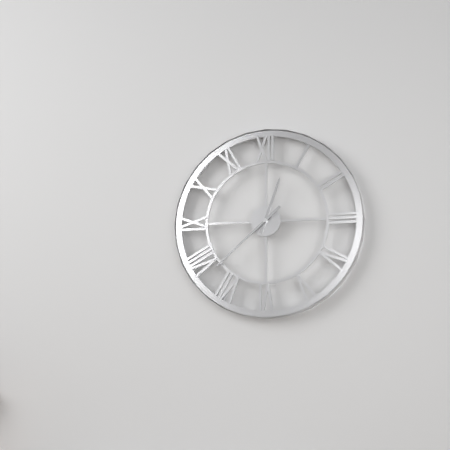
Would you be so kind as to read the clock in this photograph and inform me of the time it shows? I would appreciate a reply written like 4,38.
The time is 12,38
